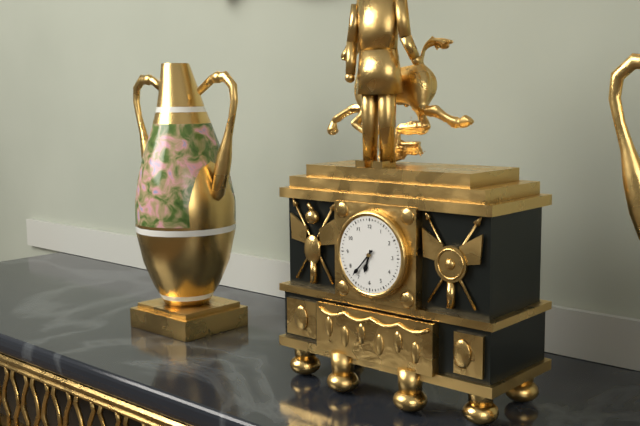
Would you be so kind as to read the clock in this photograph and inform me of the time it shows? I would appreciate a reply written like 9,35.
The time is 6,37
